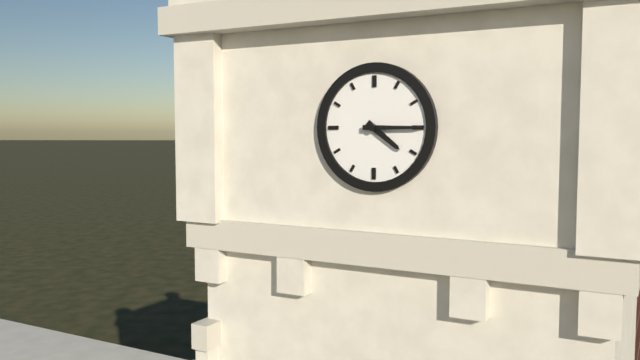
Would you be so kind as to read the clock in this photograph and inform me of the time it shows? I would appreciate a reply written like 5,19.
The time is 4,15
